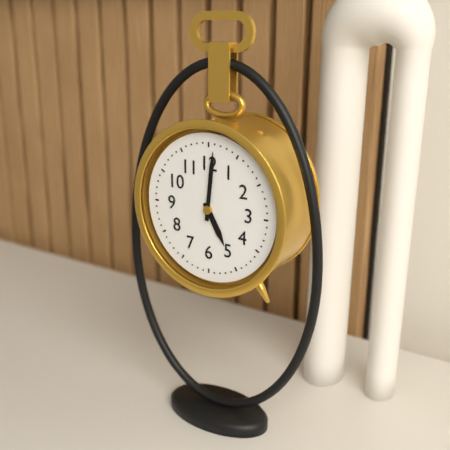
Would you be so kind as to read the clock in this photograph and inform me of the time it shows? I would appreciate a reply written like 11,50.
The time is 5,01
